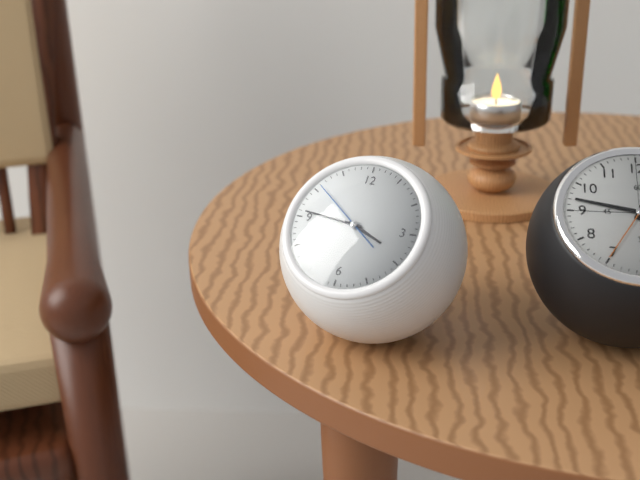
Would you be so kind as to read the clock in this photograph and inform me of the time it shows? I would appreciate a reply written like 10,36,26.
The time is 3,46,51
